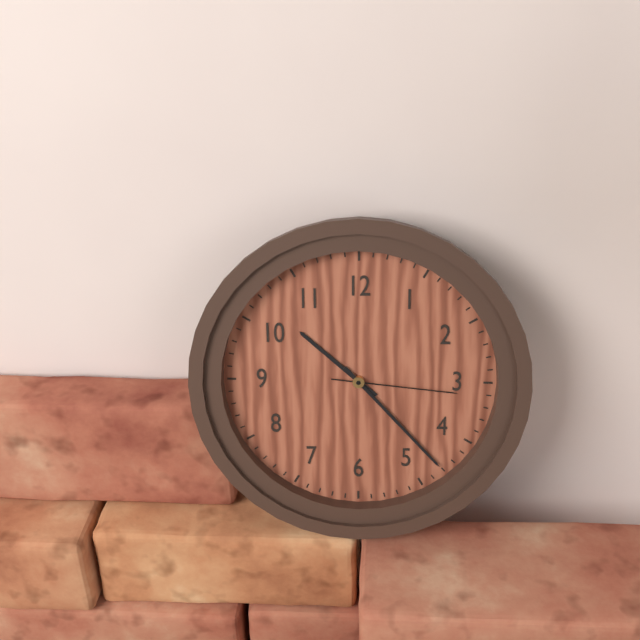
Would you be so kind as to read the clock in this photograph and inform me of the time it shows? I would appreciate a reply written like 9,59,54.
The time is 10,23,16
